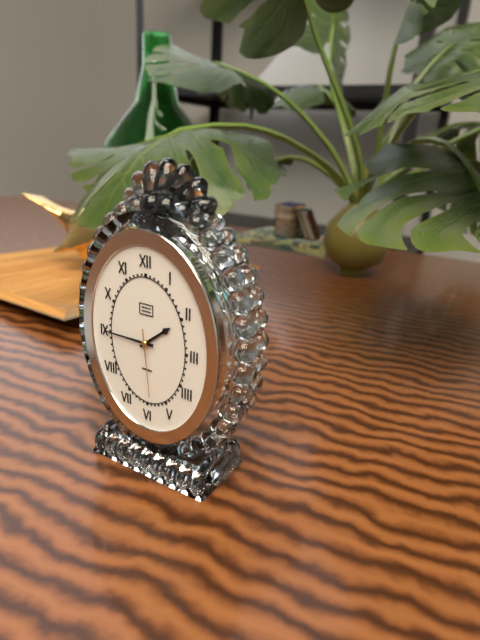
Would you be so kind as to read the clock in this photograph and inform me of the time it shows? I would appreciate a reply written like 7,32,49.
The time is 1,45,29
